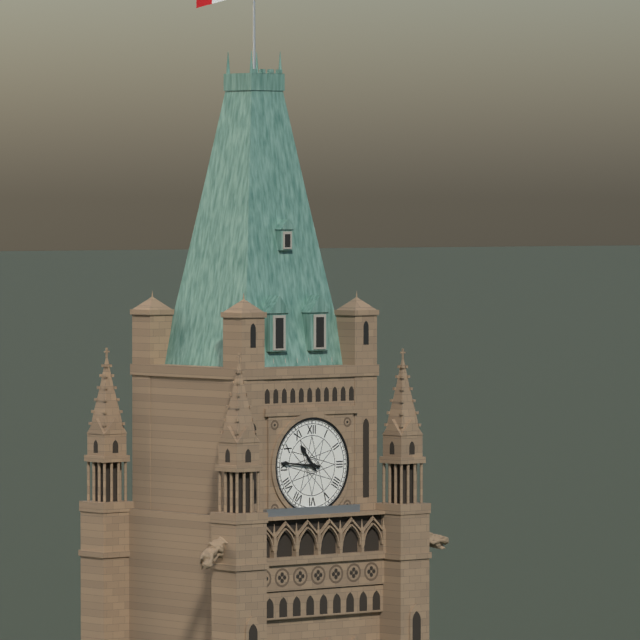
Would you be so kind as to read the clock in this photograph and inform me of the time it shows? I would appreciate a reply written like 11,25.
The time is 10,46
